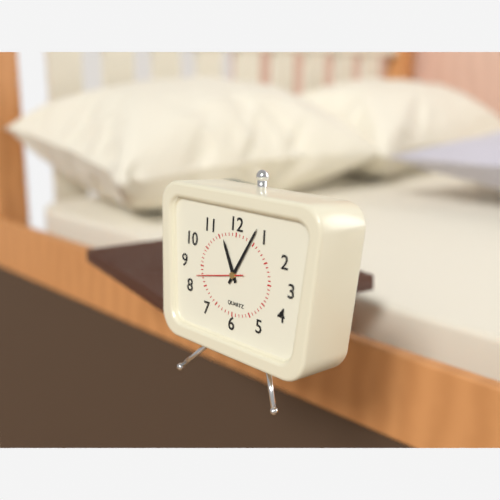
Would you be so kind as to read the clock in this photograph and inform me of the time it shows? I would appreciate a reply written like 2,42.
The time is 11,05
